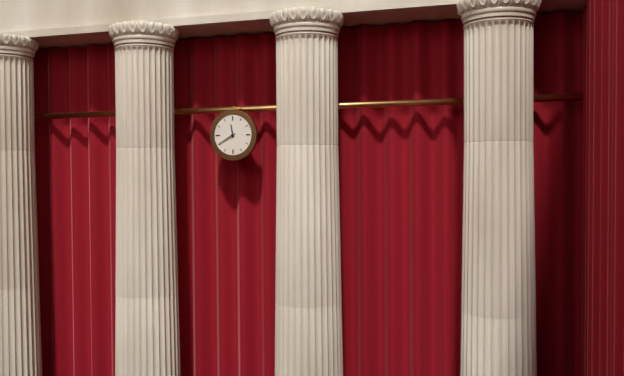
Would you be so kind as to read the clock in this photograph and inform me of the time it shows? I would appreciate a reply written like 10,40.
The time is 11,40
